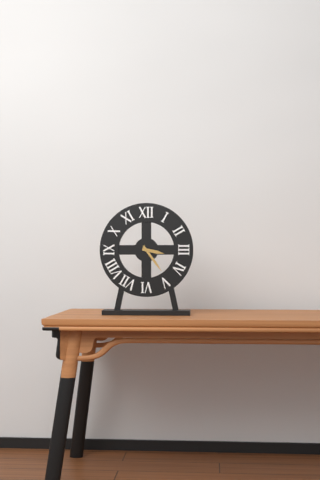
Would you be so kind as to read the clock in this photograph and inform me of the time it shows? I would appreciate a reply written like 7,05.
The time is 3,24
